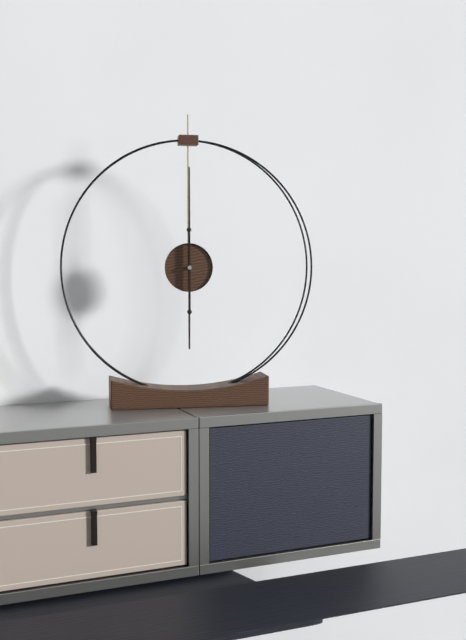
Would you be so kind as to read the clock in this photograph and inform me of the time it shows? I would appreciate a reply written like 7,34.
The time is 6,00
